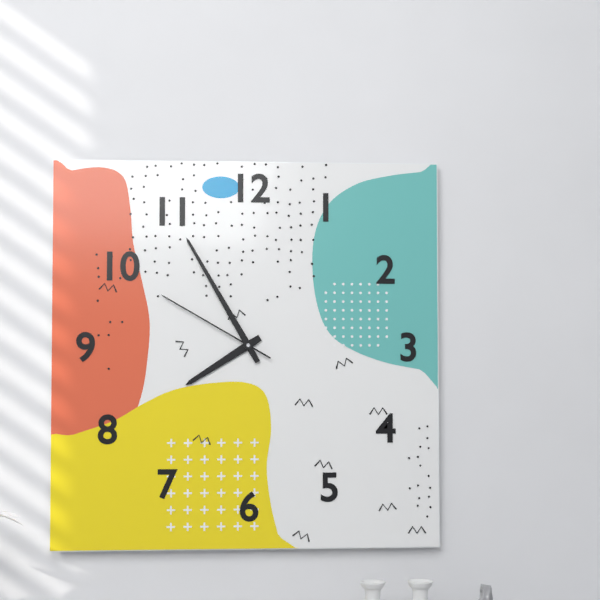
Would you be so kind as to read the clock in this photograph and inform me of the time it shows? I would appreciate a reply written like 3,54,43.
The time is 7,55,50
